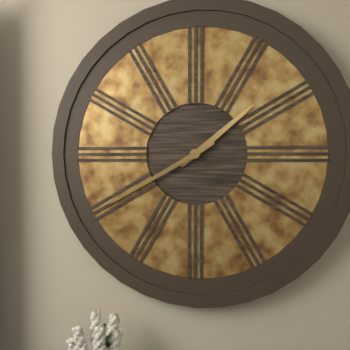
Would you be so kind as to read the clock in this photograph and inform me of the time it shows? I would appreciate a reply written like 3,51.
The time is 1,40
